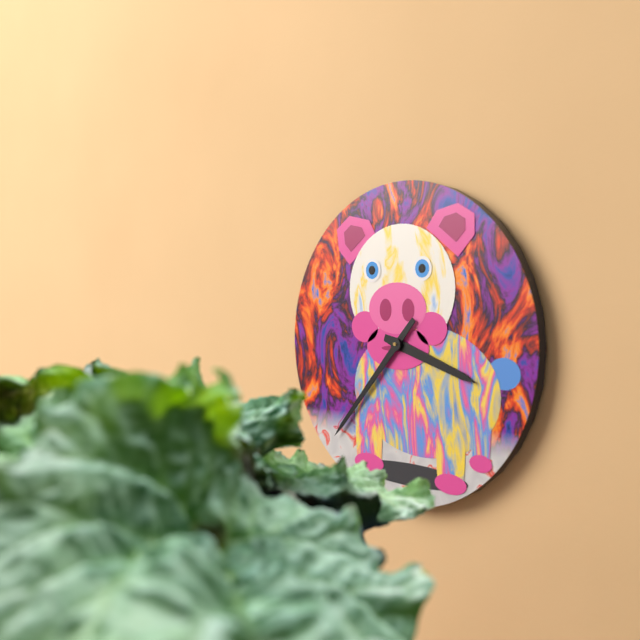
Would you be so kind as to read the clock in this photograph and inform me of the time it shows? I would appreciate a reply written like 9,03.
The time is 3,37
